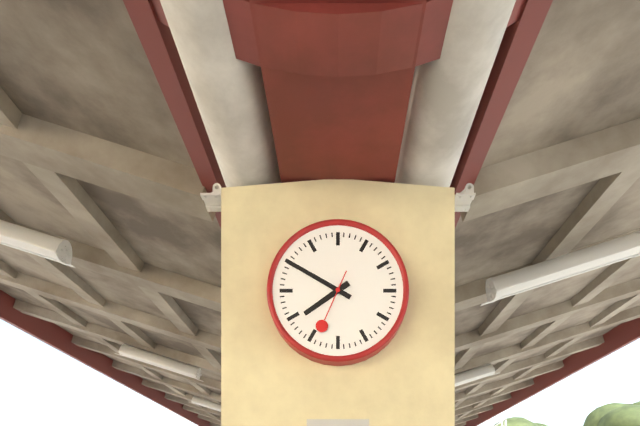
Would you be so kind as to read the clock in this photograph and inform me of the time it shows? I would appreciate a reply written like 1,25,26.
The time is 7,50,34
